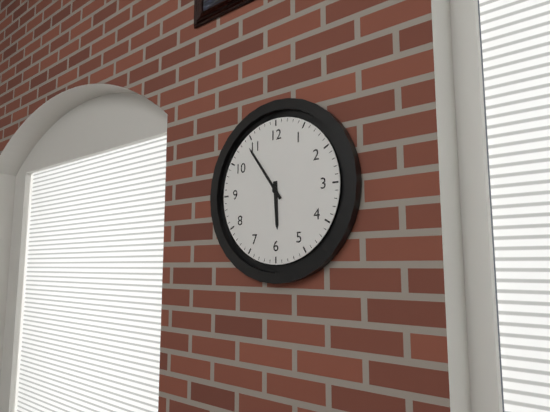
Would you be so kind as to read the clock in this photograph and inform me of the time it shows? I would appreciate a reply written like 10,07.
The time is 5,54
